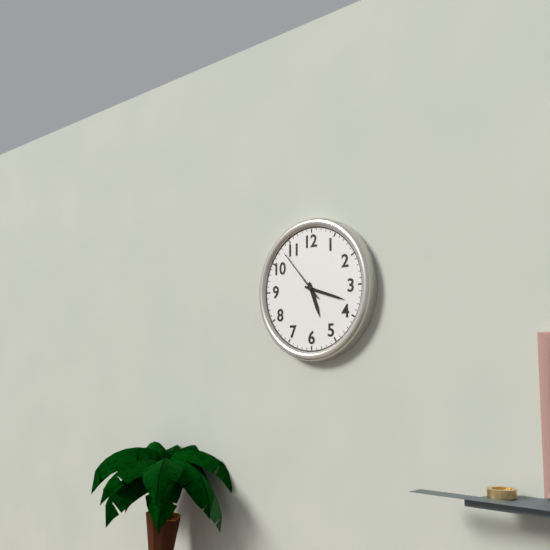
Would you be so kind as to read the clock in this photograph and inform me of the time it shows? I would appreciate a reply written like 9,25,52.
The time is 5,18,53
